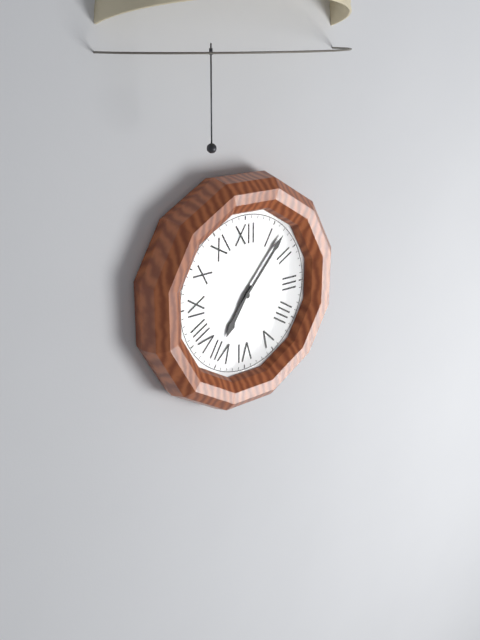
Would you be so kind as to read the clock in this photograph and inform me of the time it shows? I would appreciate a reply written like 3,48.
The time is 7,07
